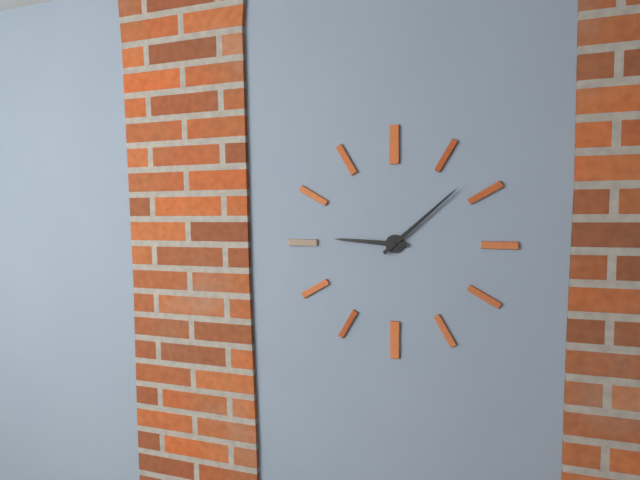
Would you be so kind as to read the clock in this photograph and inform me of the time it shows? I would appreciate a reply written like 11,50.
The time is 9,08
